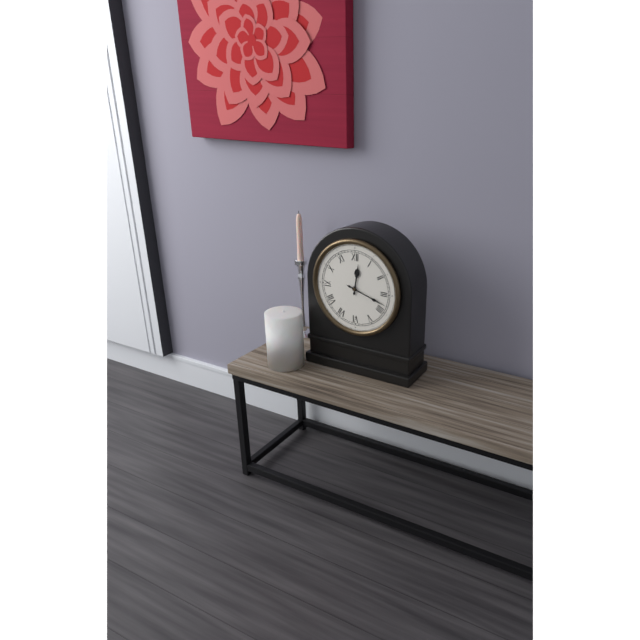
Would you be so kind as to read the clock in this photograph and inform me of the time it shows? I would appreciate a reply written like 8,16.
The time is 12,18
